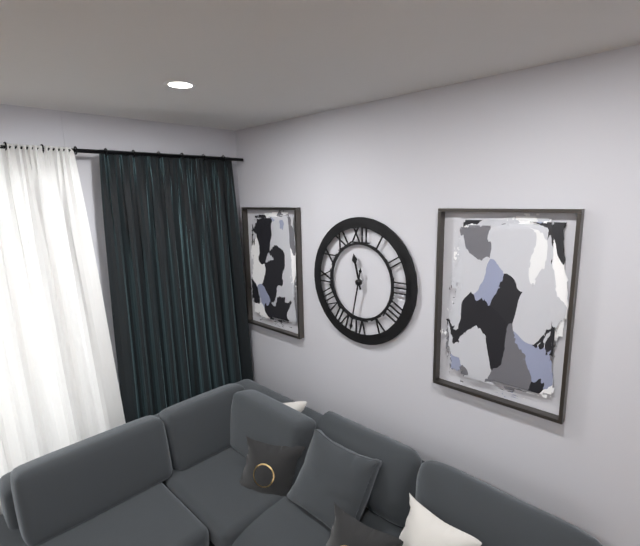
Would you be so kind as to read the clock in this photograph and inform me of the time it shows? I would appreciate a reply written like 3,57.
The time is 11,32
